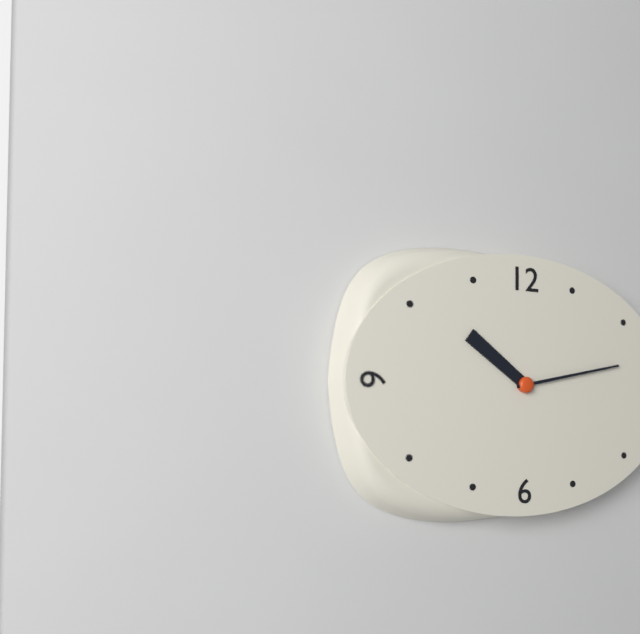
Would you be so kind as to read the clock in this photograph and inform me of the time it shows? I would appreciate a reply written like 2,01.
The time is 10,13
